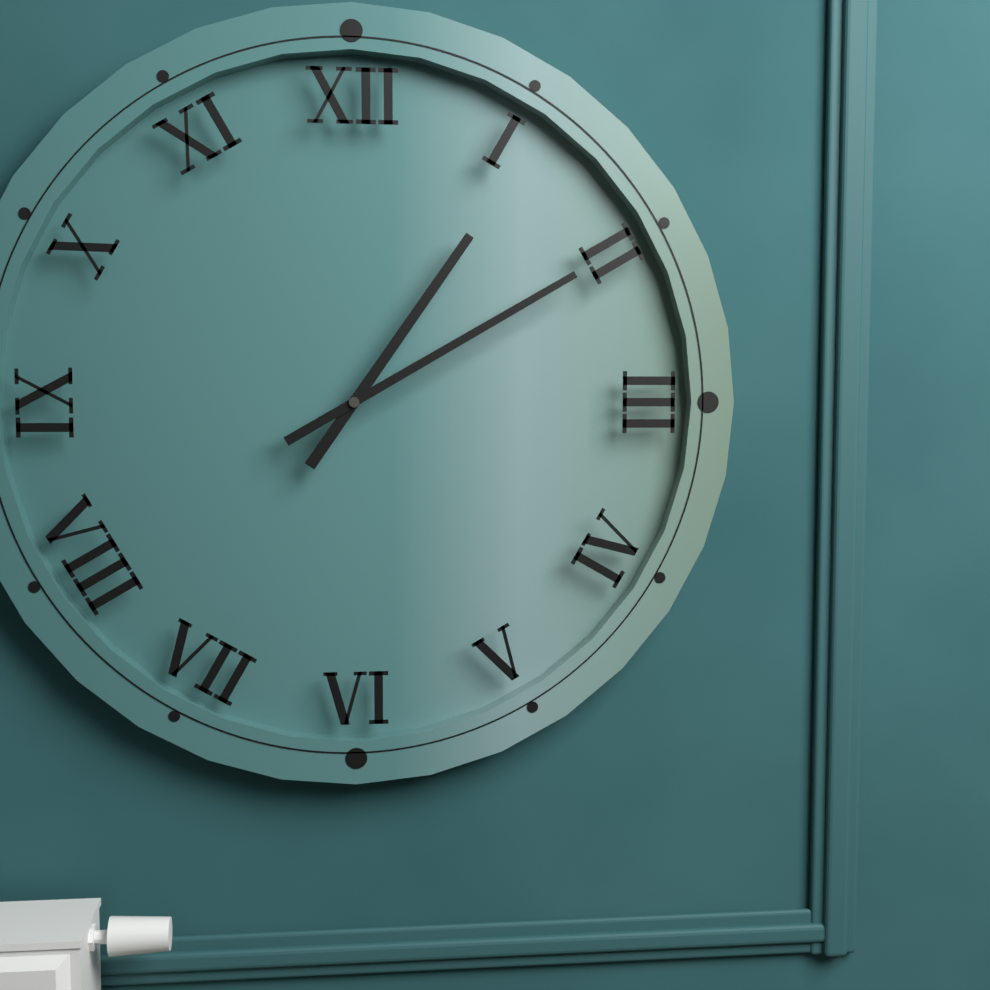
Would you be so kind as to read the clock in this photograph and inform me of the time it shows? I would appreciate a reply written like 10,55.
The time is 1,10
